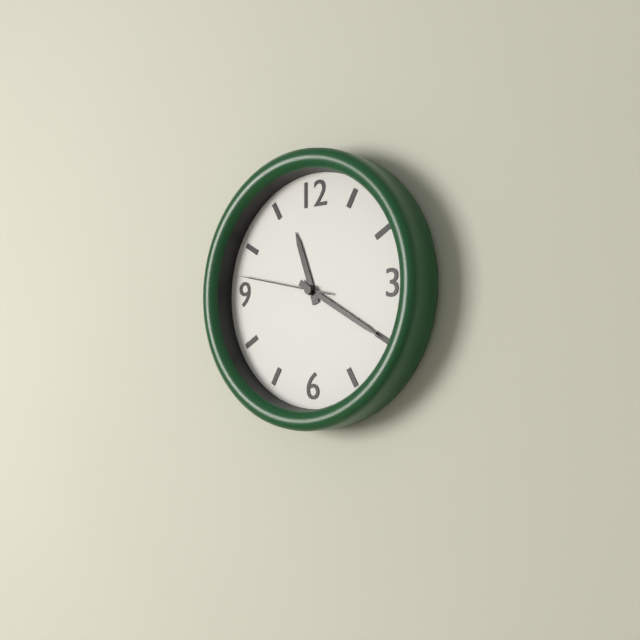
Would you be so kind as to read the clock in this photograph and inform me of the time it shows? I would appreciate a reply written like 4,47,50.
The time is 11,20,47
